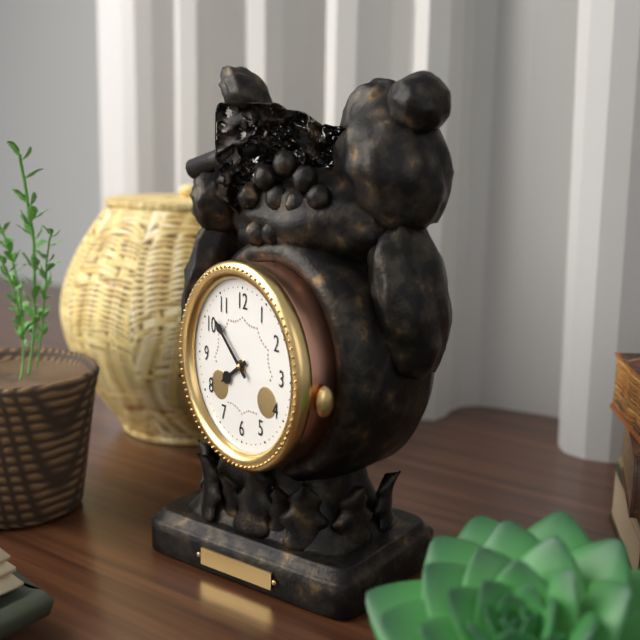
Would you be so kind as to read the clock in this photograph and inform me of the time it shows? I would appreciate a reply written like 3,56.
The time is 7,52
